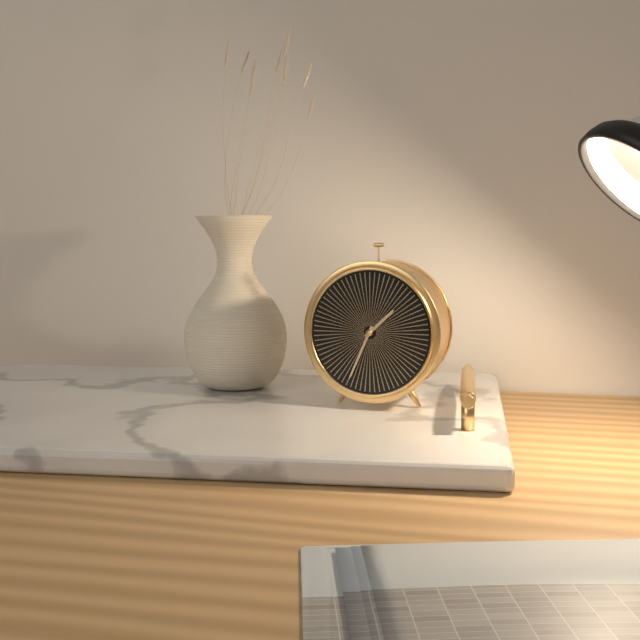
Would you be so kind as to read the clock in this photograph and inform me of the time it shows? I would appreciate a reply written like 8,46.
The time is 1,34
